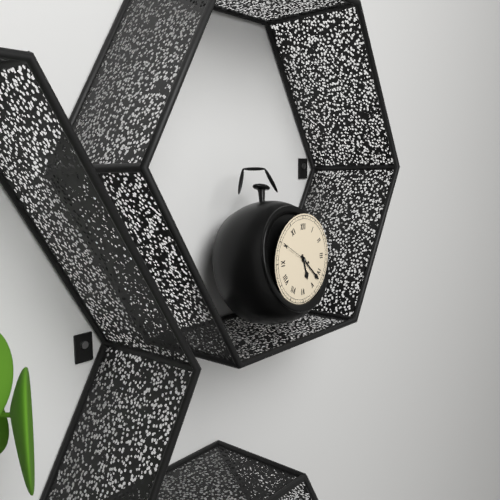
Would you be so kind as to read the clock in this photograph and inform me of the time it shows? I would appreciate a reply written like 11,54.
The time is 5,22
